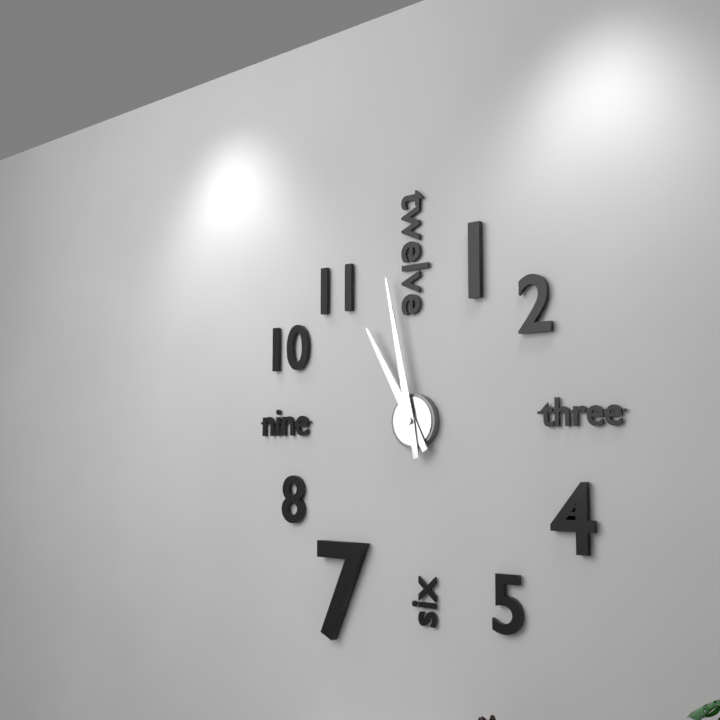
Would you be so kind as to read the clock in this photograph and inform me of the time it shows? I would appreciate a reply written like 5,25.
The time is 10,58
